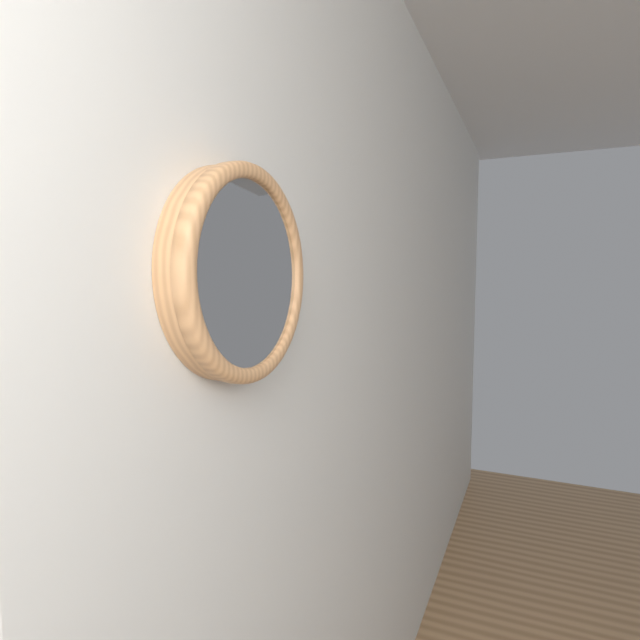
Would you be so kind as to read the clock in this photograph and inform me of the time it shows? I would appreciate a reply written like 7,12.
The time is 7,20
